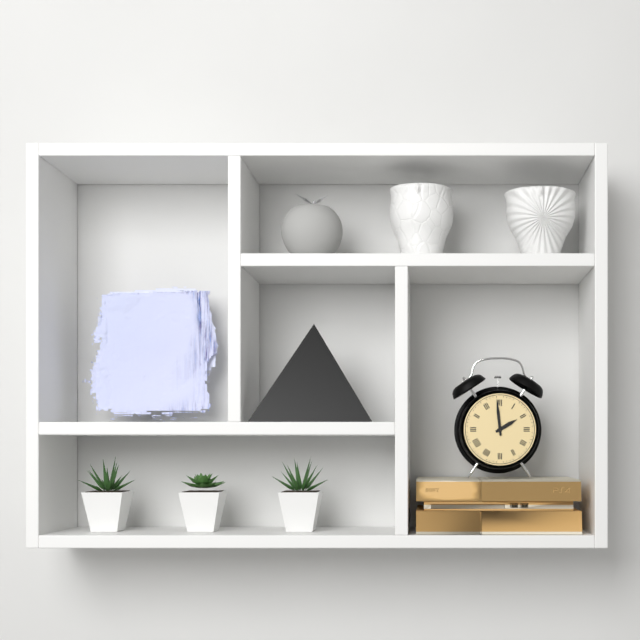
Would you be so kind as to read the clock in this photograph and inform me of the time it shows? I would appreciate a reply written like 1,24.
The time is 1,59
